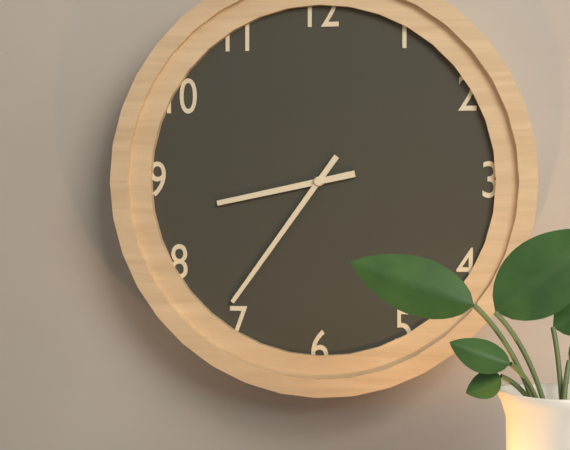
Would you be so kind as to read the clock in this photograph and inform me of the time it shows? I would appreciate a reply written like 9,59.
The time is 8,36
